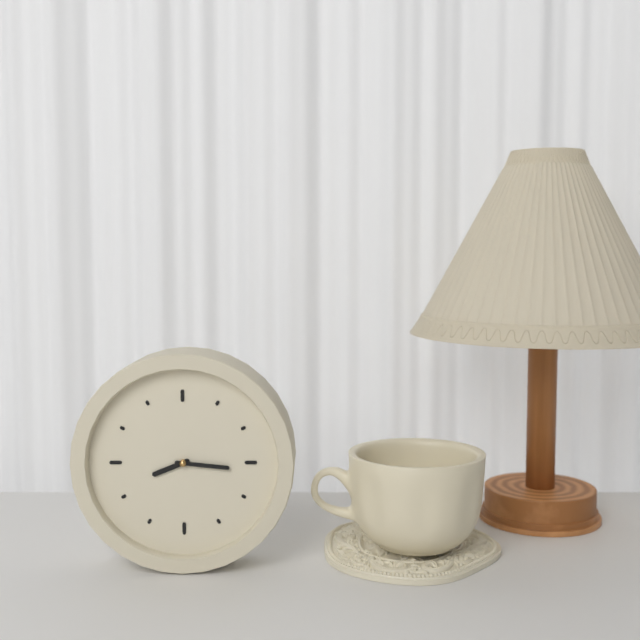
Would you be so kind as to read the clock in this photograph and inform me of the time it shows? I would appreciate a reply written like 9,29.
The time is 8,16
